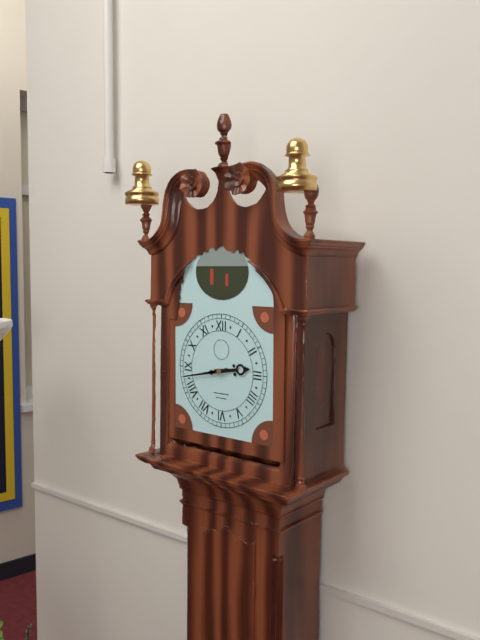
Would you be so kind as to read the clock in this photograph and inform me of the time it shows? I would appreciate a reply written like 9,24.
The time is 2,43
